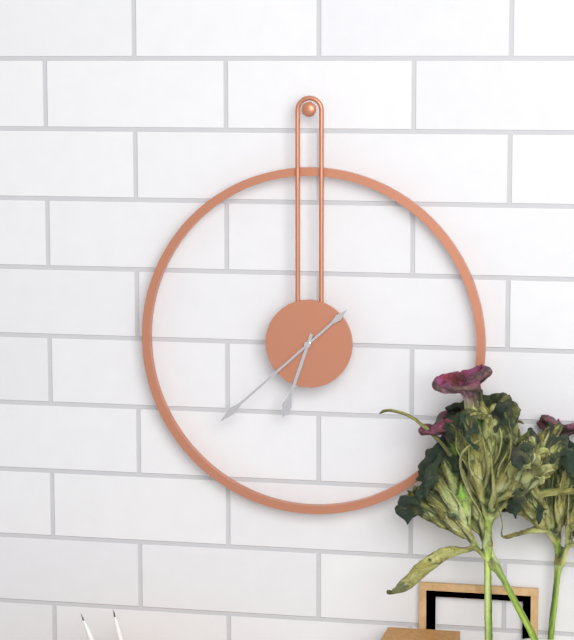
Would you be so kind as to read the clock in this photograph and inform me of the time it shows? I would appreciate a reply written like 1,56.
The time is 6,38
